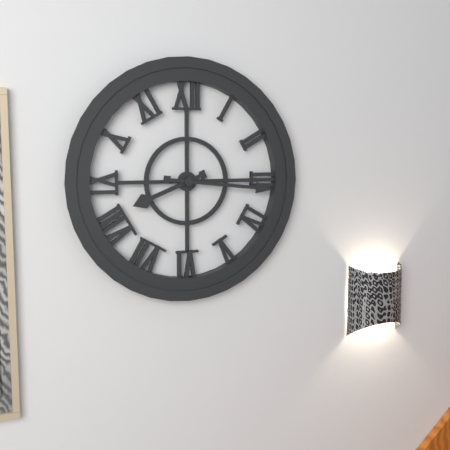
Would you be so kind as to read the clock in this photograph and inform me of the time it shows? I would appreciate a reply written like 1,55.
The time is 8,16
